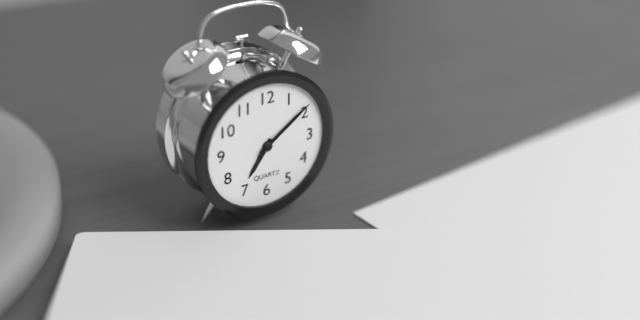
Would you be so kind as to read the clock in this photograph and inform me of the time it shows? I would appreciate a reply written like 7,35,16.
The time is 7,09,09
